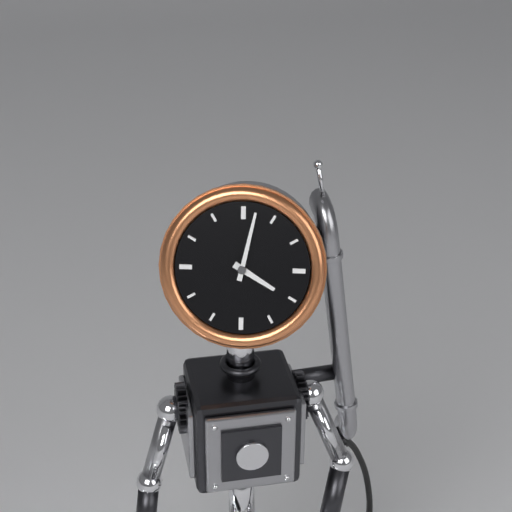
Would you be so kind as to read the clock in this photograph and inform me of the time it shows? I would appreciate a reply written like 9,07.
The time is 4,02
